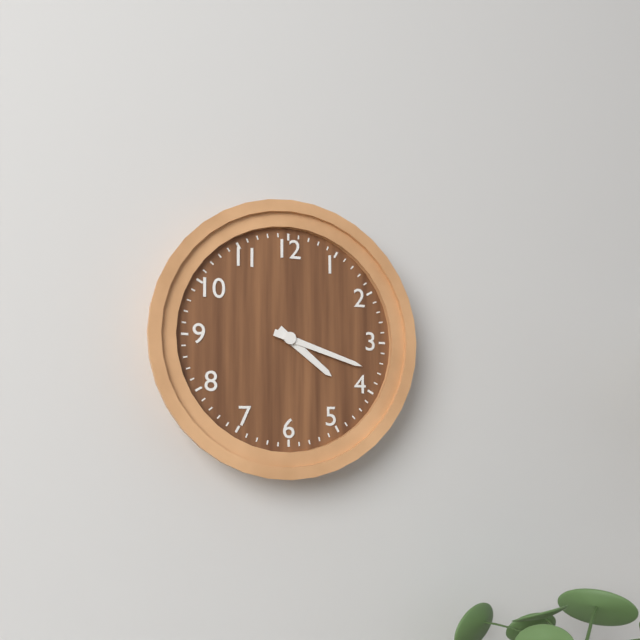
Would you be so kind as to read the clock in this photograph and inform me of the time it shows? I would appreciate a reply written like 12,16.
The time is 4,18
